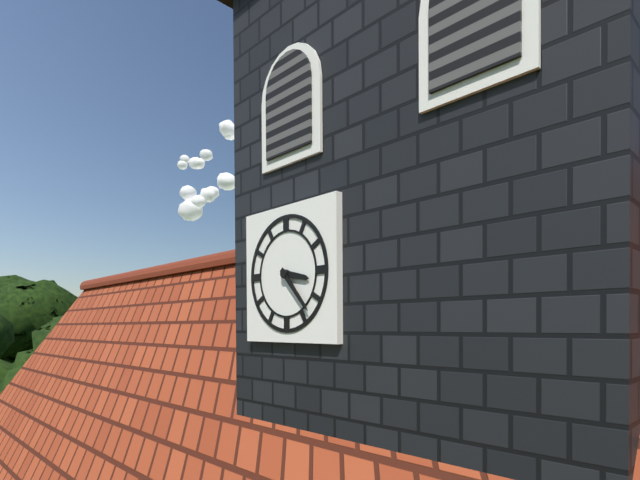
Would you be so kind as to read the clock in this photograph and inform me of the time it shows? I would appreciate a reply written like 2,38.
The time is 3,23
